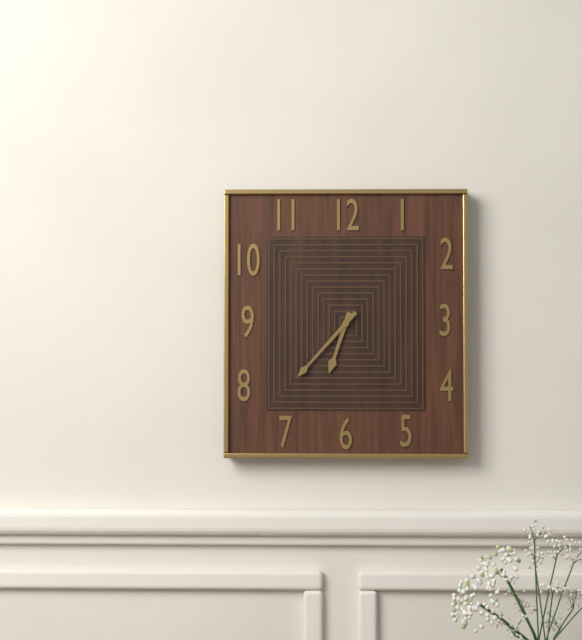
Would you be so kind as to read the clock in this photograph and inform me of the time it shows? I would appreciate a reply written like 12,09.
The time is 6,37
